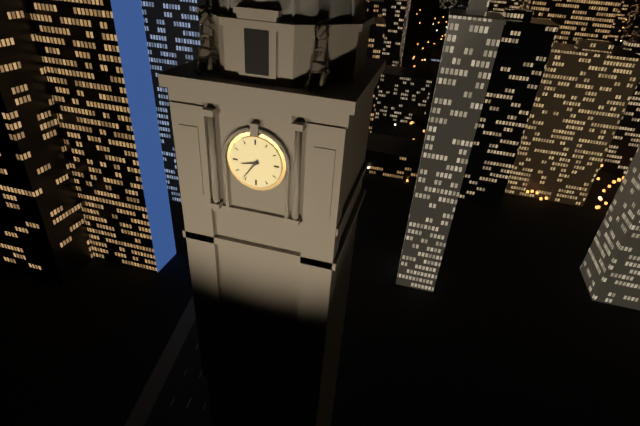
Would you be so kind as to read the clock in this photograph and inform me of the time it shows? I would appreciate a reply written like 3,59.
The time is 8,36
